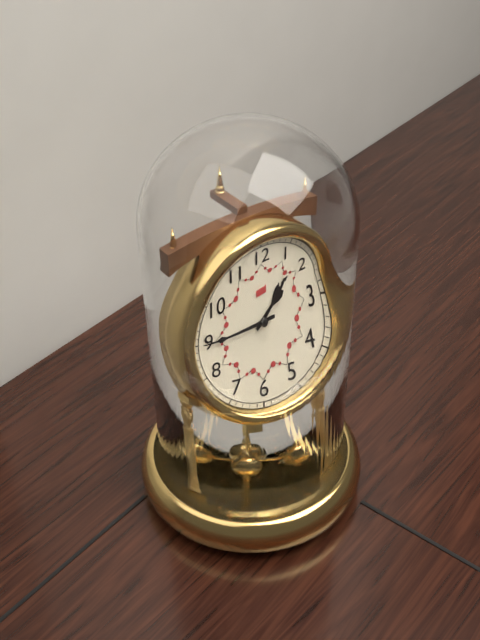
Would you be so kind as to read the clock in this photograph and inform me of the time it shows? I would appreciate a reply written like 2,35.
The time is 1,45
